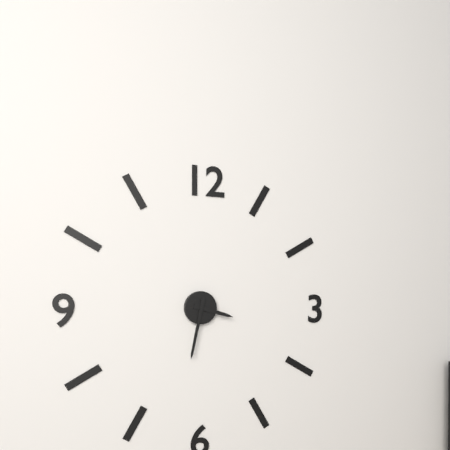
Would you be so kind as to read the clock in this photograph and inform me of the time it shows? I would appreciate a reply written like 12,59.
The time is 3,32
